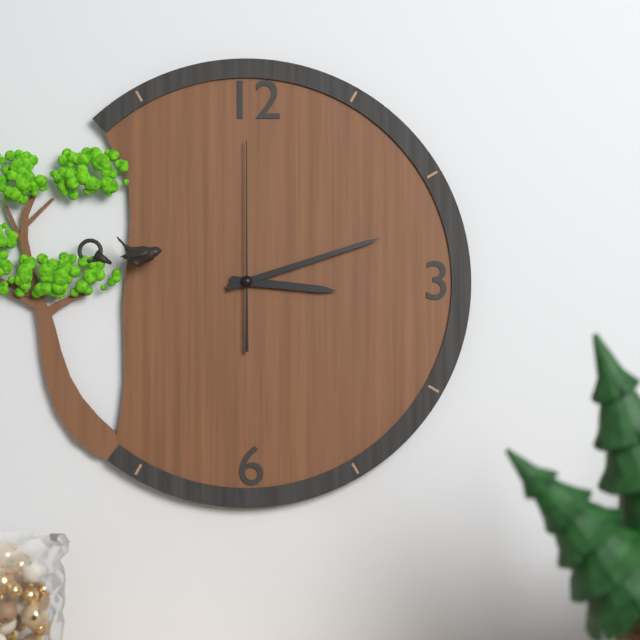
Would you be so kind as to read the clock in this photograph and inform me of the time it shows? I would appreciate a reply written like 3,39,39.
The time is 3,12,00
